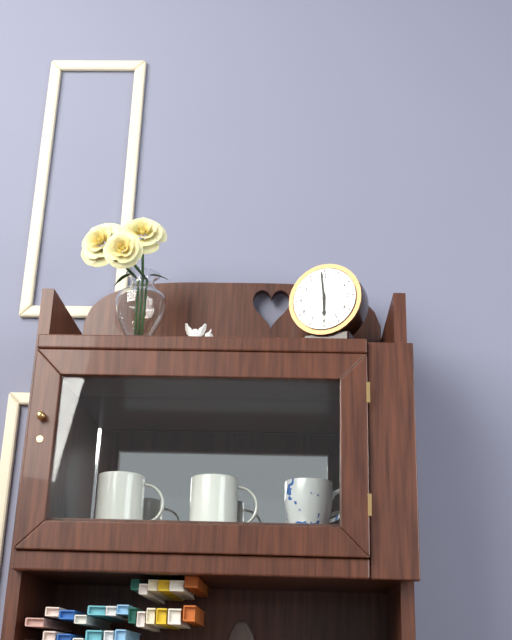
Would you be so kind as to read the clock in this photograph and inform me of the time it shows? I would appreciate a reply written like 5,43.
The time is 5,59
